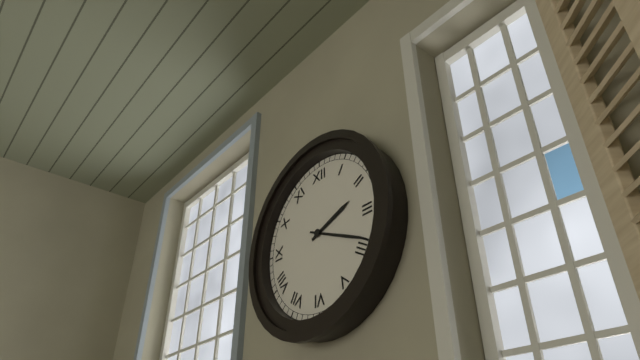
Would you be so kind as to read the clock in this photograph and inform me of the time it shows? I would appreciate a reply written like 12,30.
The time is 2,19
